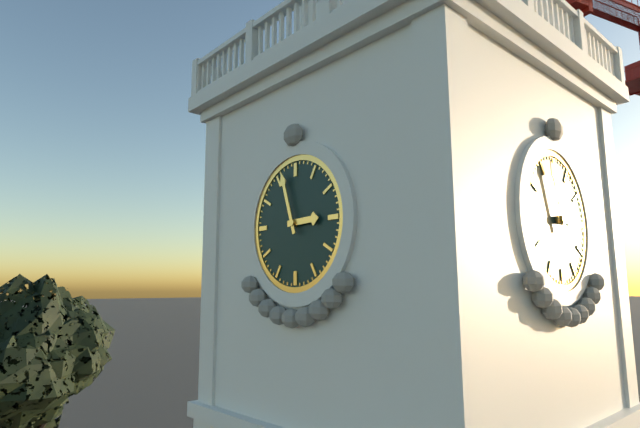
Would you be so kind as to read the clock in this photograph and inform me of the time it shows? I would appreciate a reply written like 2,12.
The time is 2,57
